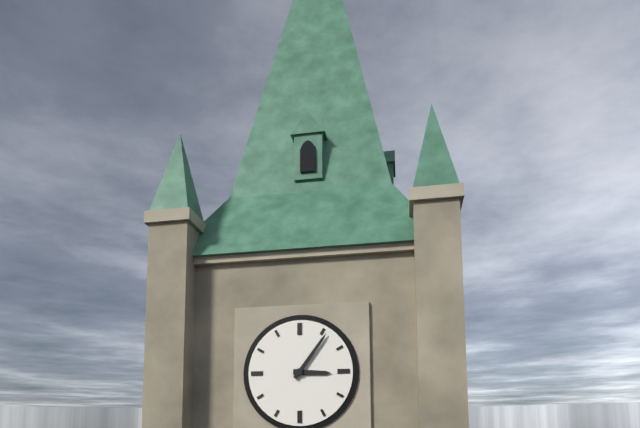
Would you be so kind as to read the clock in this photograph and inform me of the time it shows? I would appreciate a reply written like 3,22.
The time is 3,06
